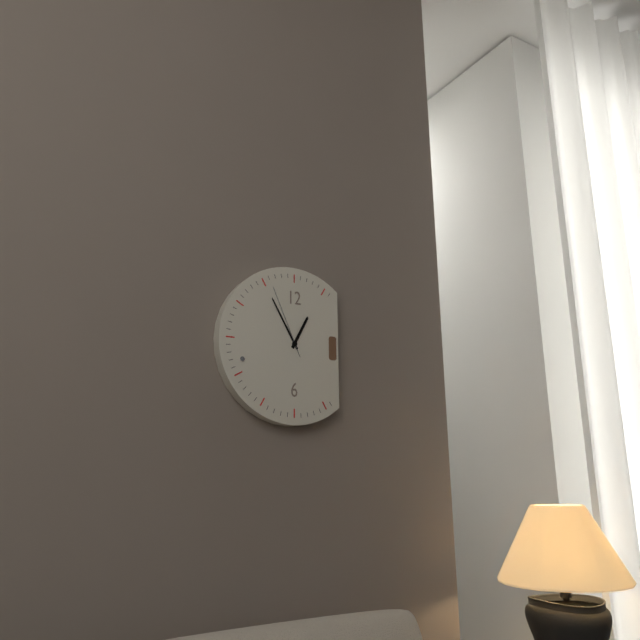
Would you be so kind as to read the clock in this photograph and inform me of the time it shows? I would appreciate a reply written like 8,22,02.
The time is 12,55,56
